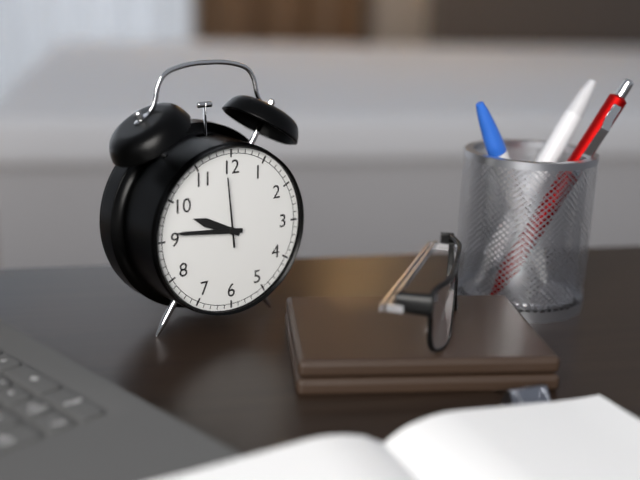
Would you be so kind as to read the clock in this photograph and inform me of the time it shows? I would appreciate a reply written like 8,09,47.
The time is 9,46,59
